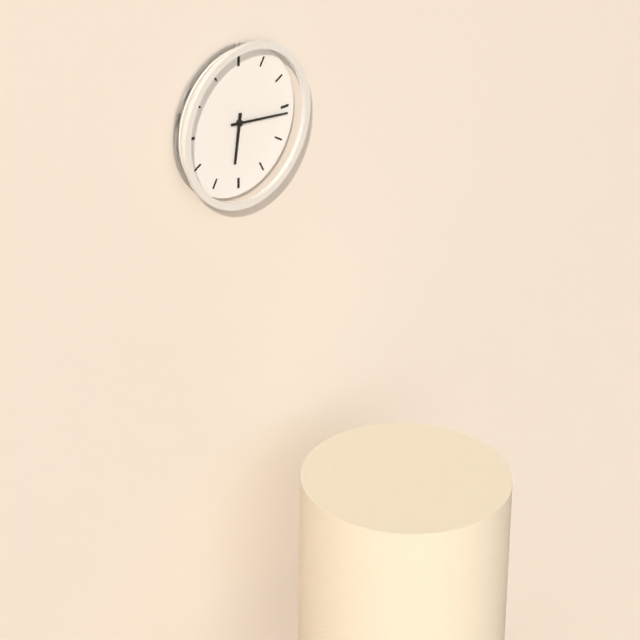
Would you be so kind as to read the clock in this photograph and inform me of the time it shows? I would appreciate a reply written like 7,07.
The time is 6,16
